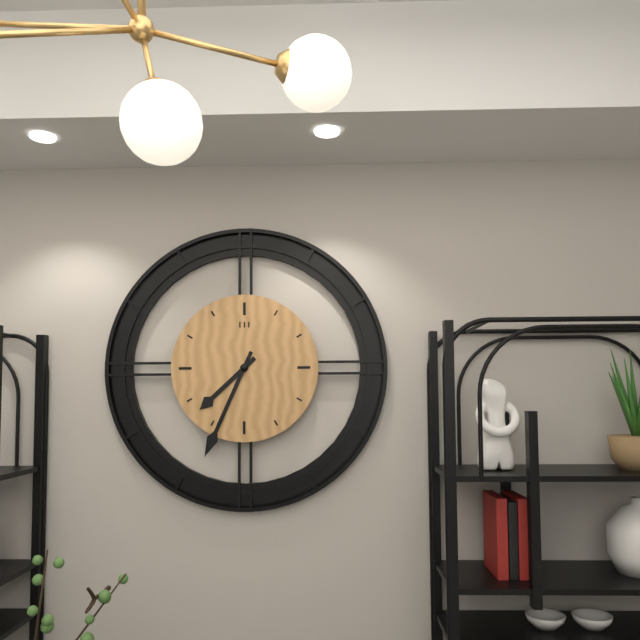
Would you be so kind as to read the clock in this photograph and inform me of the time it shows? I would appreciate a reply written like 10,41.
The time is 7,34
